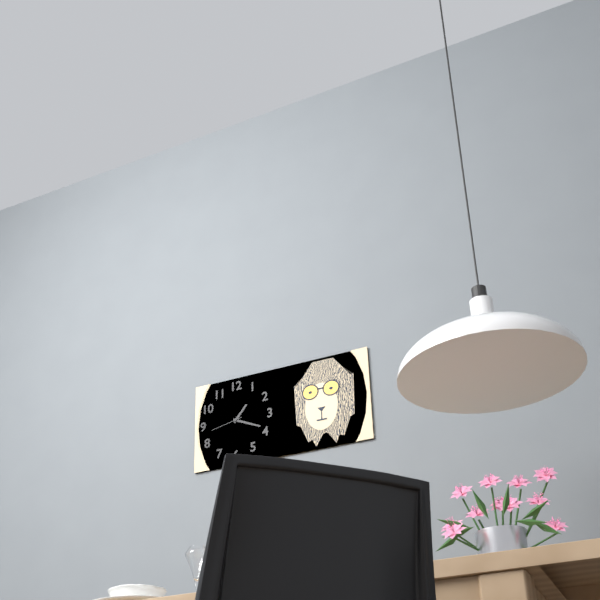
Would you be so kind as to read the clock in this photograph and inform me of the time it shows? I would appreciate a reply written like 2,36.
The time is 1,19
